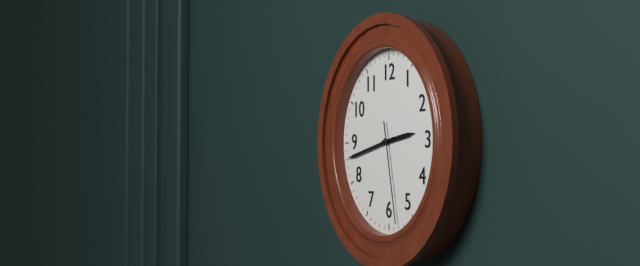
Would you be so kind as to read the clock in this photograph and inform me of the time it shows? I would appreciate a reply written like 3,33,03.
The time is 2,43,28
